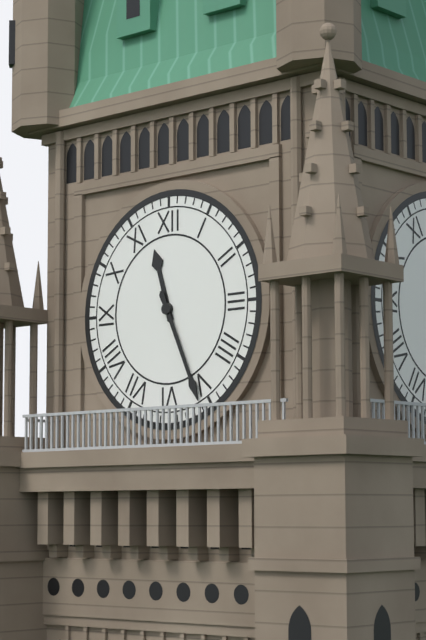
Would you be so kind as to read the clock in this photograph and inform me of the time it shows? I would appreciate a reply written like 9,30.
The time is 11,26
